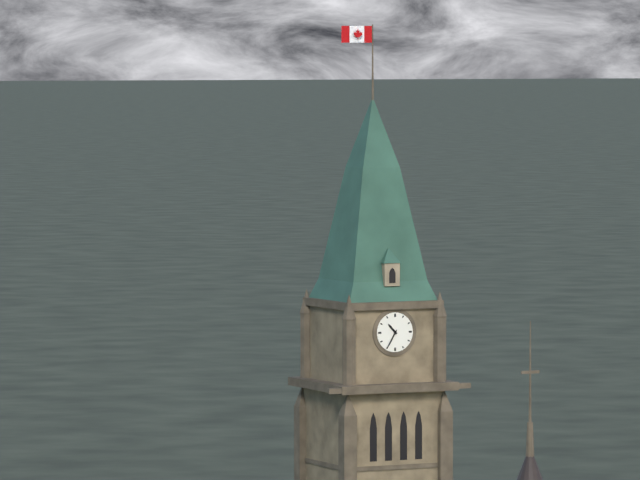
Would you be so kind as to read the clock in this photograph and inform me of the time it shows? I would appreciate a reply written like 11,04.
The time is 10,35
